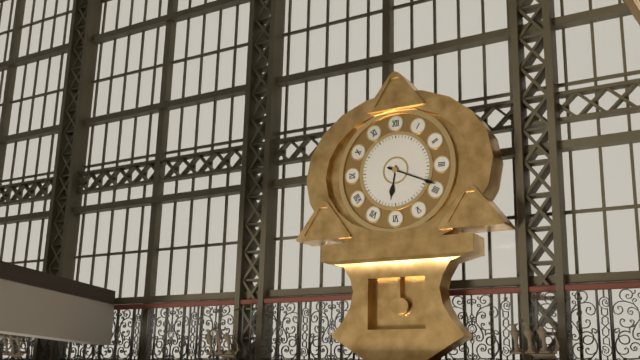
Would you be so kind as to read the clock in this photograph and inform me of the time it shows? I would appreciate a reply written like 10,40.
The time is 6,19
